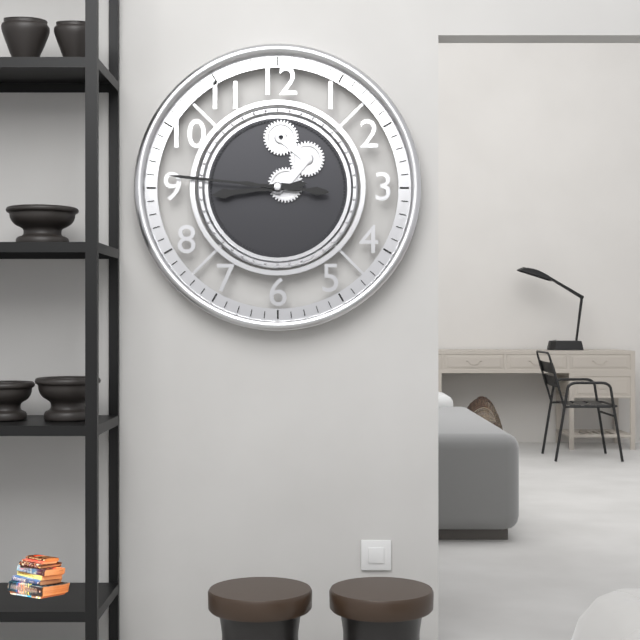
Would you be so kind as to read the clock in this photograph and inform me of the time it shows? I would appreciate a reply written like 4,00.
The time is 8,46
